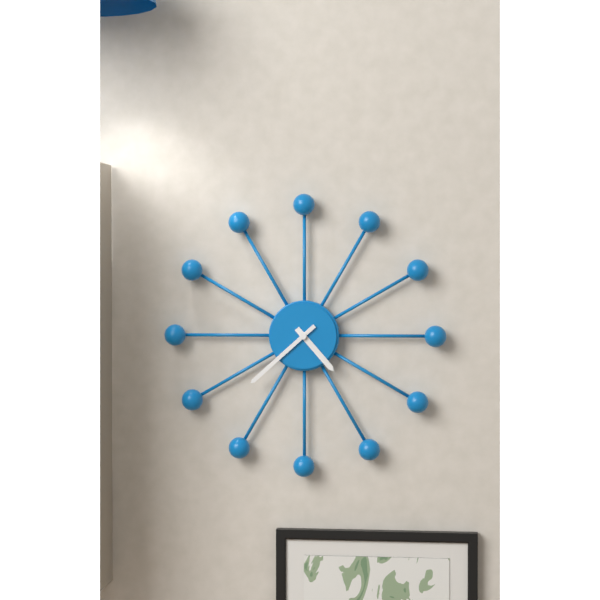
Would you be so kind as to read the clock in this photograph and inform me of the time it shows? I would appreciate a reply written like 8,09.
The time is 4,38
